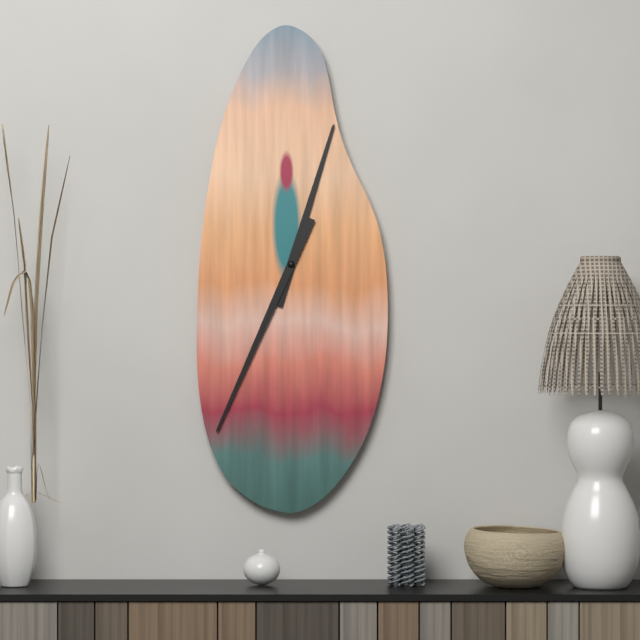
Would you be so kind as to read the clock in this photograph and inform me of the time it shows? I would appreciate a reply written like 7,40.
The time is 12,34
